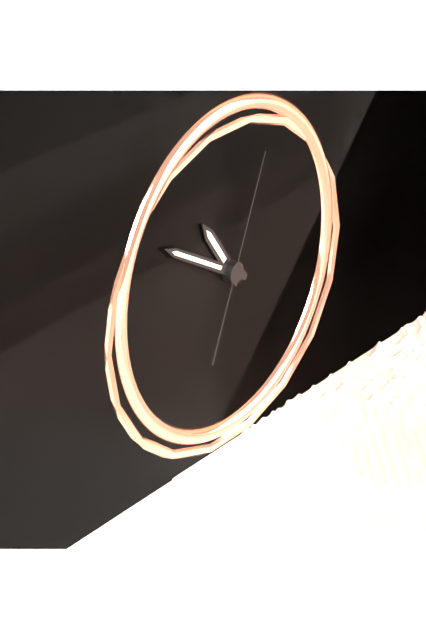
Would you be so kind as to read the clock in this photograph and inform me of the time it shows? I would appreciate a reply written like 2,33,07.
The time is 10,50,04
